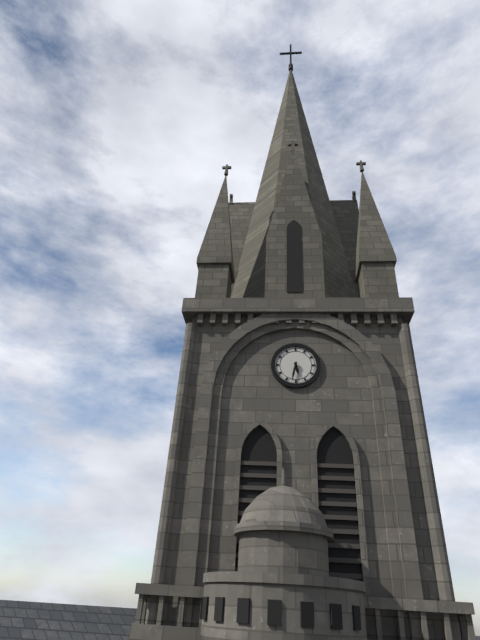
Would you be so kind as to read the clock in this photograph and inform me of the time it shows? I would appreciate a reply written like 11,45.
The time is 5,32
